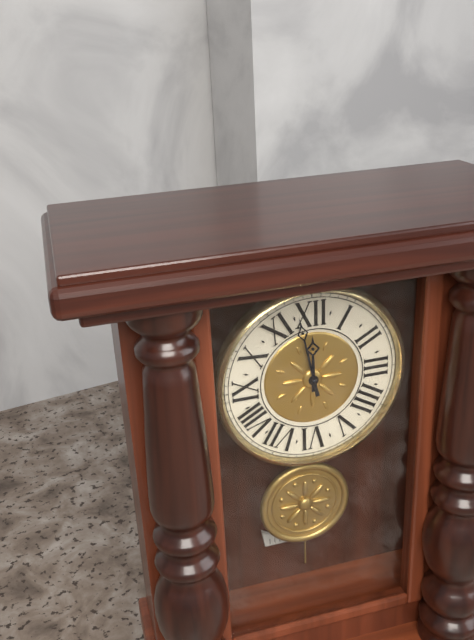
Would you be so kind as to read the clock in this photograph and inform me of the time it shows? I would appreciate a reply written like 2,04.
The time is 11,58
